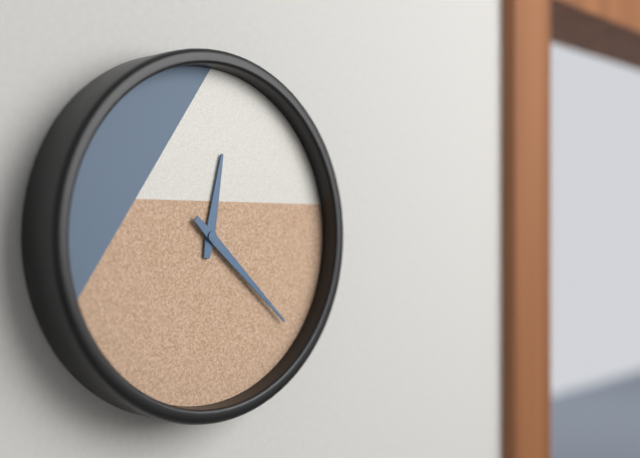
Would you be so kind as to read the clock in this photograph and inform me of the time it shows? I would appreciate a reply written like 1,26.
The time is 12,22
